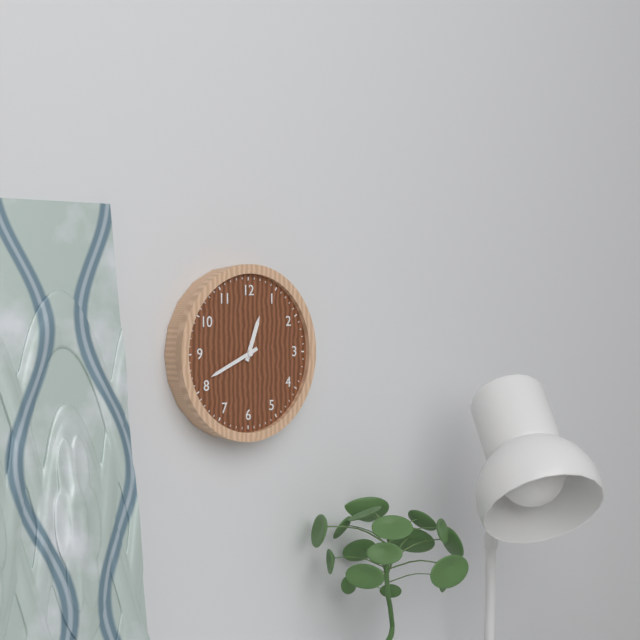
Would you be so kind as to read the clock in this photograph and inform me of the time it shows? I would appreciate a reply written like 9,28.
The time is 12,41
